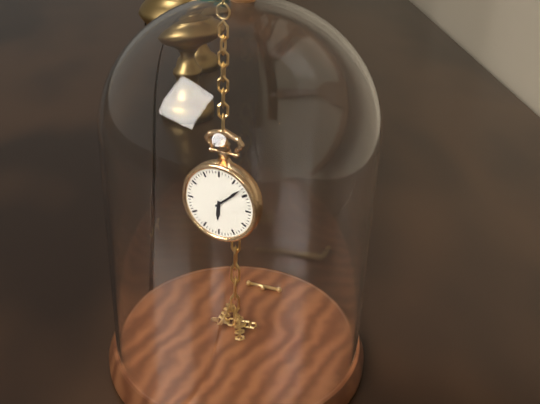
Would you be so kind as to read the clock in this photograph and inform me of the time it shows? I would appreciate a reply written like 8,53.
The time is 6,08
